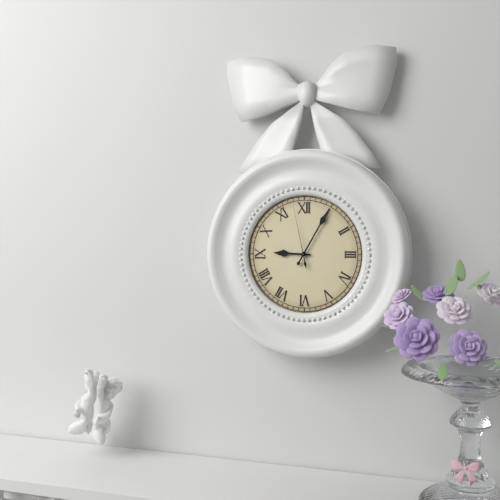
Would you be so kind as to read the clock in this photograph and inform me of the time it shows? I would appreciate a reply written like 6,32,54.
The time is 9,05,58
